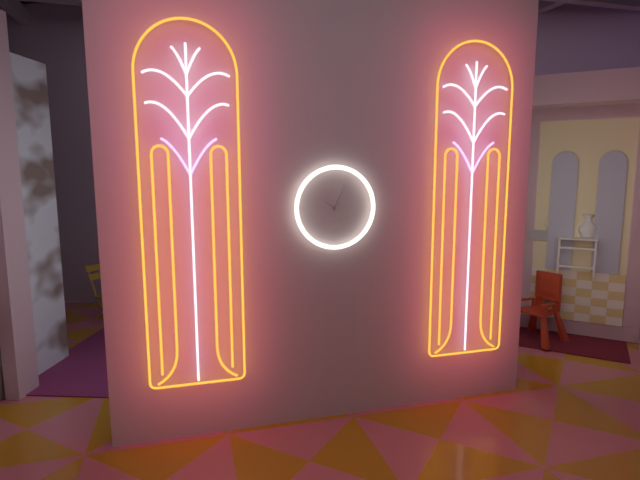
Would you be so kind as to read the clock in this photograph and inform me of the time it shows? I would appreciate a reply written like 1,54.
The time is 10,04
